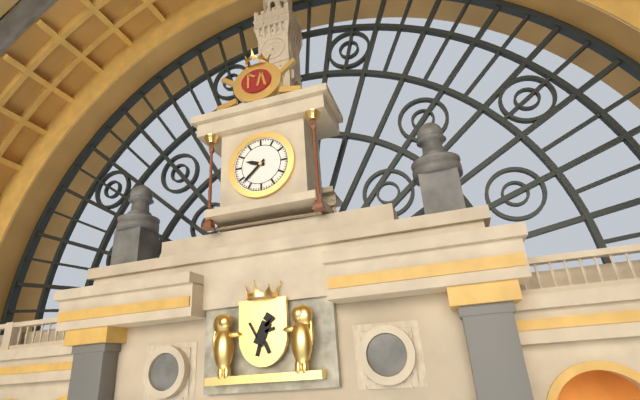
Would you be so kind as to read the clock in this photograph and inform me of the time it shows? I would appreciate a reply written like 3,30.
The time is 9,38
